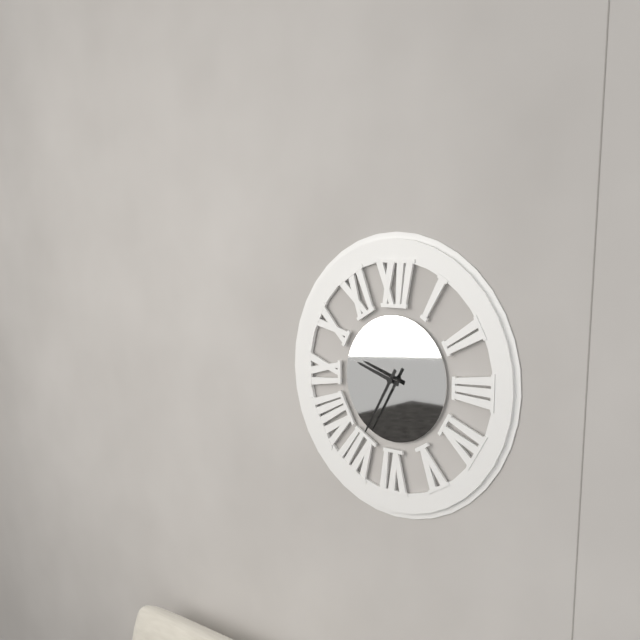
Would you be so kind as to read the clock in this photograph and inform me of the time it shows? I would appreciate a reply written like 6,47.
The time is 9,35
